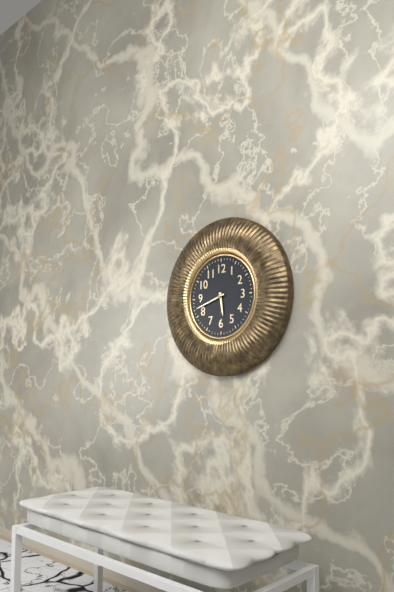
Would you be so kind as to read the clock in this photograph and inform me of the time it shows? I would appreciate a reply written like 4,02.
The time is 5,42
